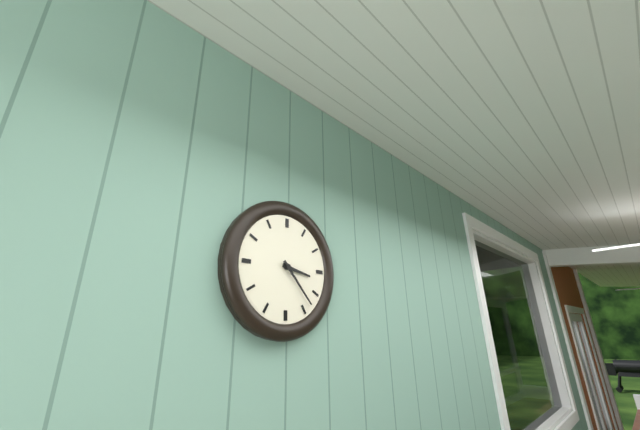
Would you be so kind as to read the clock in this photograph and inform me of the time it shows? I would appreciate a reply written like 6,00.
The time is 3,23
